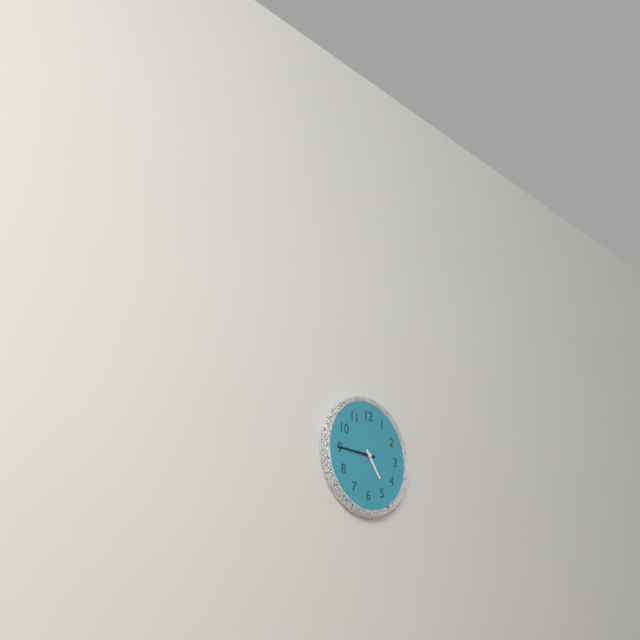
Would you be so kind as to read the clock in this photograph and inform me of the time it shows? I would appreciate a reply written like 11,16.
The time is 4,45
